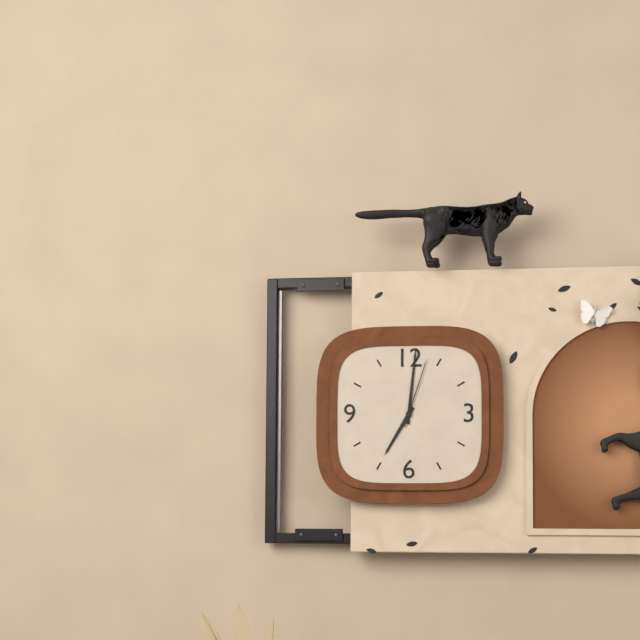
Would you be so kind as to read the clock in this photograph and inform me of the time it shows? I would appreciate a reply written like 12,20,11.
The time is 7,01,03
